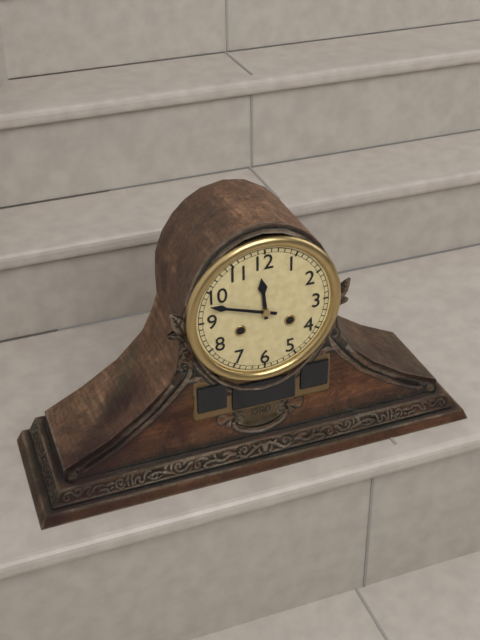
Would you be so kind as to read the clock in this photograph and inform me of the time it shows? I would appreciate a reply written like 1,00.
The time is 11,48
